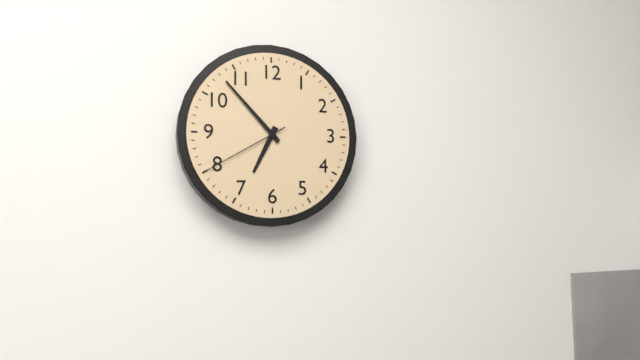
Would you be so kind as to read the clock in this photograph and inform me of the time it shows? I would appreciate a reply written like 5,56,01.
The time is 6,53,40
